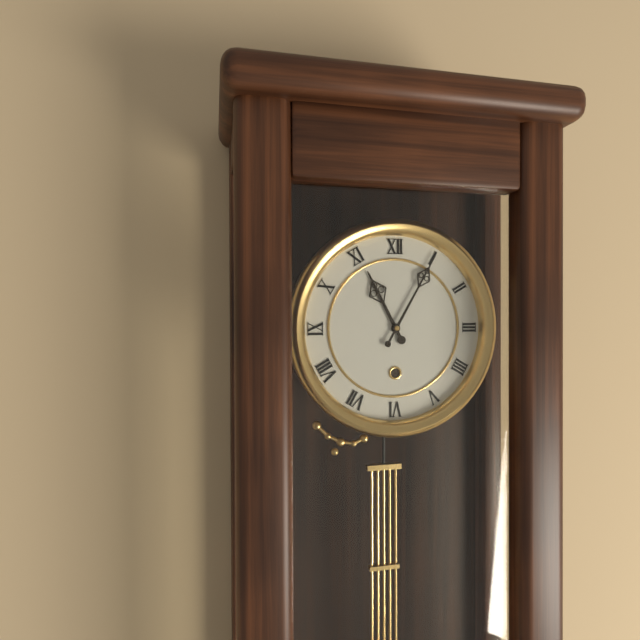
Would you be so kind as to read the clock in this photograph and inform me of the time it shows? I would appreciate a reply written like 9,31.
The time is 11,05
